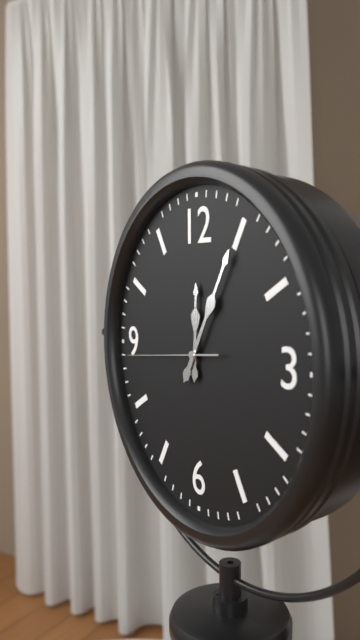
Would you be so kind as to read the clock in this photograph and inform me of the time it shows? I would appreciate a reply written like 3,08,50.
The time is 12,05,44
